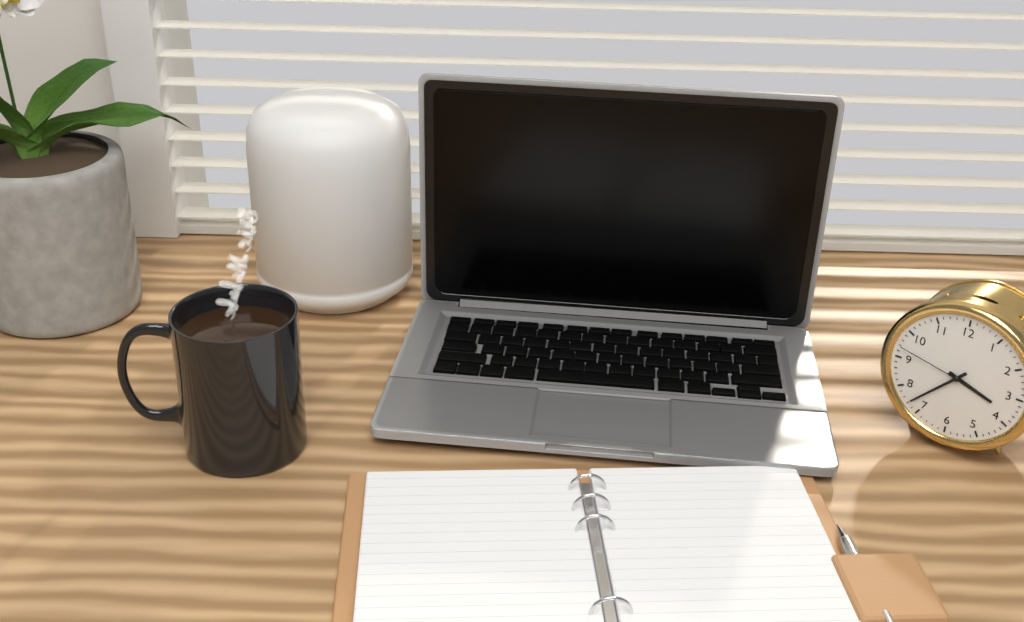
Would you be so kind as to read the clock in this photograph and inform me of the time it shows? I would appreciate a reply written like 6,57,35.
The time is 3,37,47
